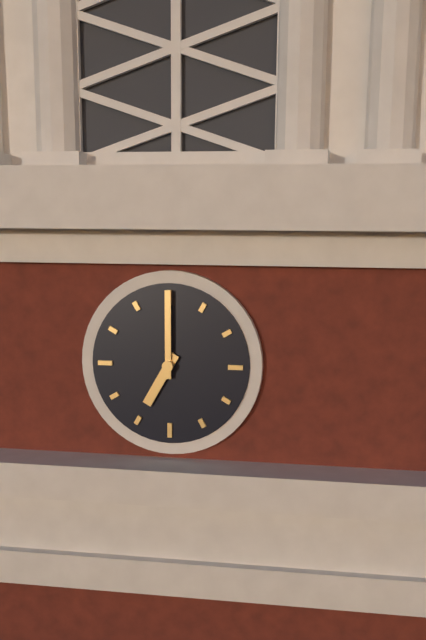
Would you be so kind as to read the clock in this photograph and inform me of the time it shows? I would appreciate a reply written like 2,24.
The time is 7,00
